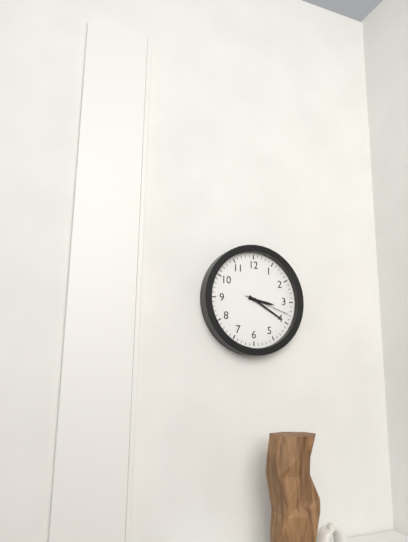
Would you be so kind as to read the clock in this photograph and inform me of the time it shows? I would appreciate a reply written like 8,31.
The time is 3,20
